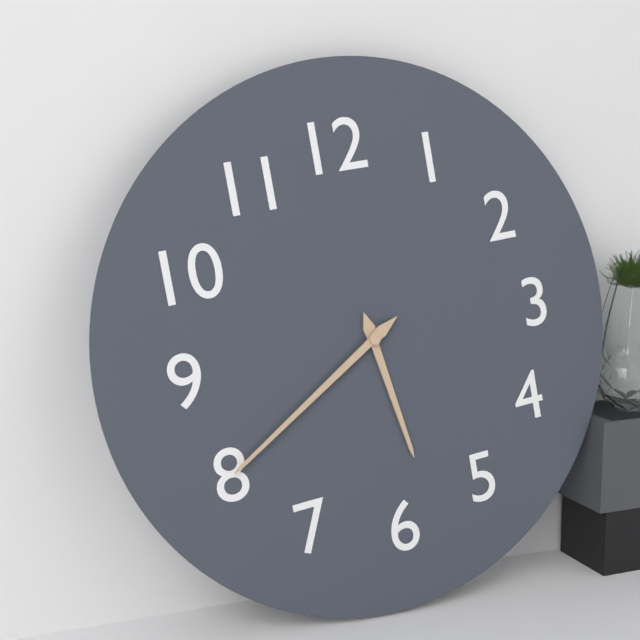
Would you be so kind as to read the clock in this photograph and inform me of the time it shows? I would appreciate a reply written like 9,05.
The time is 5,40
